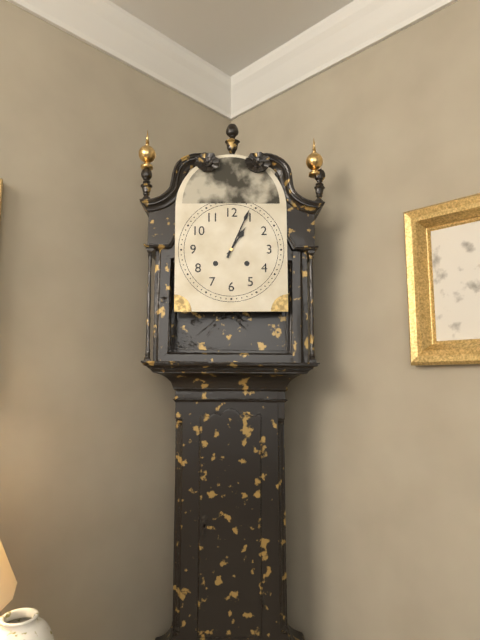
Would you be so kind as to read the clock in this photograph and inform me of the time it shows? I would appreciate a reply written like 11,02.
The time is 1,04
